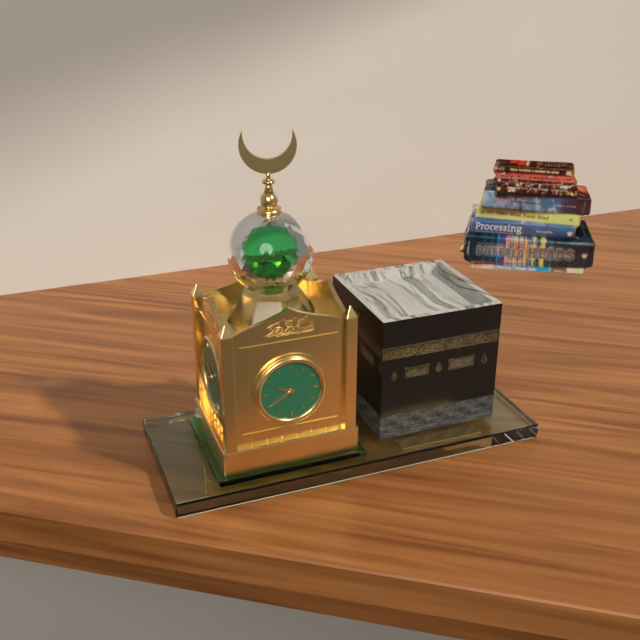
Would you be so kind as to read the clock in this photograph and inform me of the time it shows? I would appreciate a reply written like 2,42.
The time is 9,40
